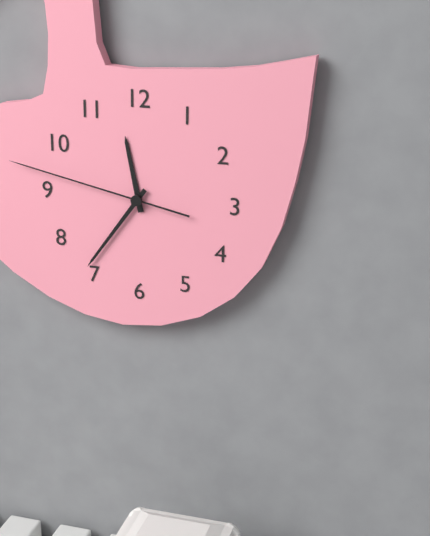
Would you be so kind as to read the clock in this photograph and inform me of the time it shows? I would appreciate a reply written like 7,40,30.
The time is 11,36,47
